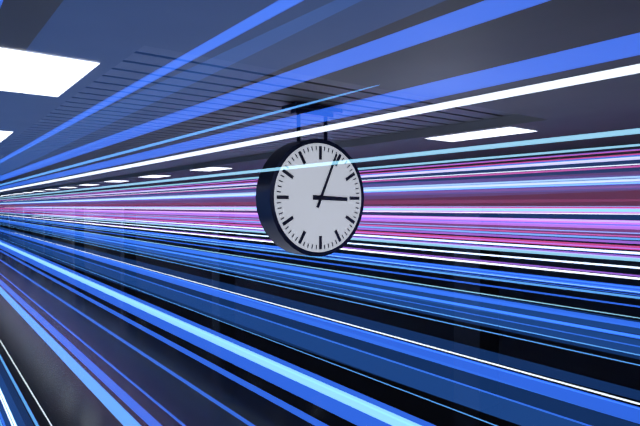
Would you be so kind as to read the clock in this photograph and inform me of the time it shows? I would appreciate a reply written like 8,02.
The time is 3,04
